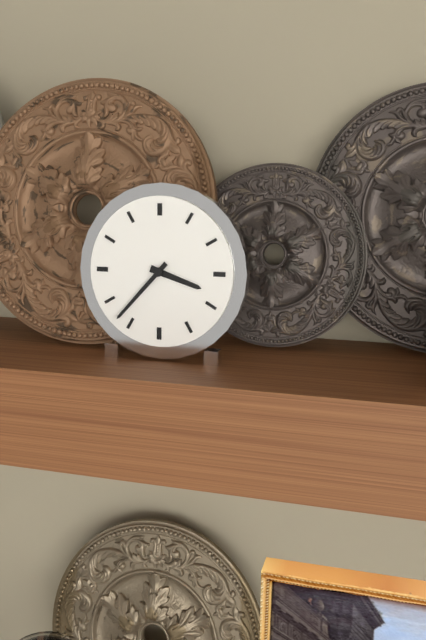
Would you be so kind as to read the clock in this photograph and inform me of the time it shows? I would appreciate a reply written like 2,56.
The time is 3,37
